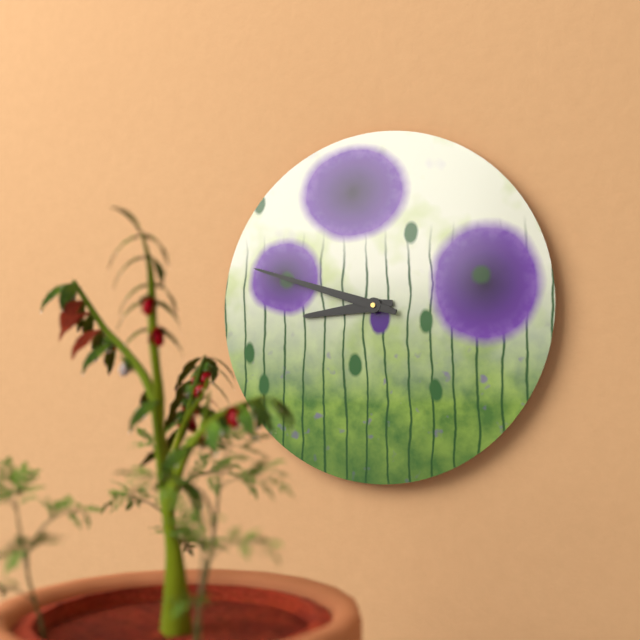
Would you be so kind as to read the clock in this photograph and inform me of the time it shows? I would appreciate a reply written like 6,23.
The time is 8,48
